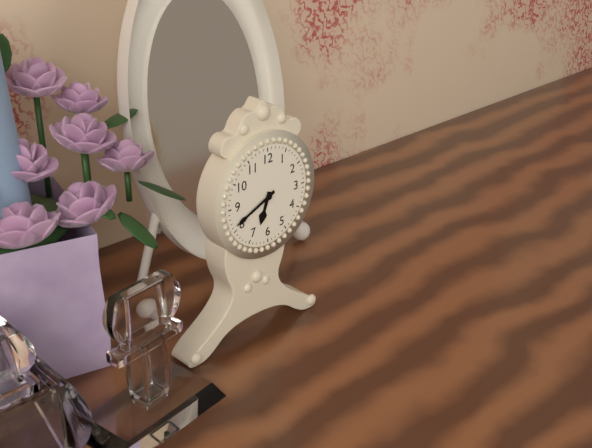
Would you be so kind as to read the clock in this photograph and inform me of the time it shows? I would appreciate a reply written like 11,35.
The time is 6,41
